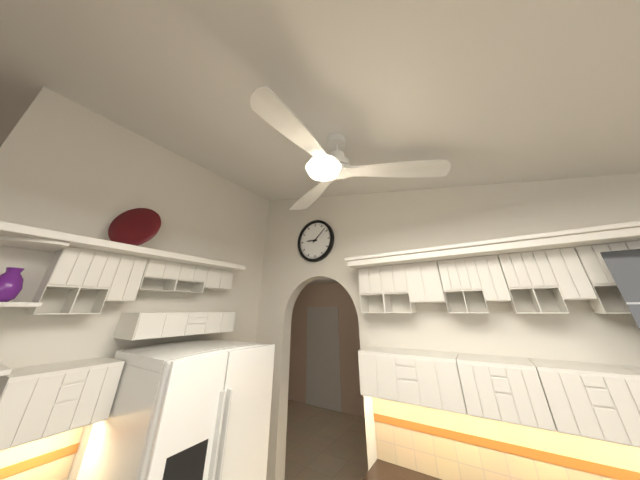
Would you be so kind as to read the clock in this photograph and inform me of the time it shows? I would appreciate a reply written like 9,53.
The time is 9,08
